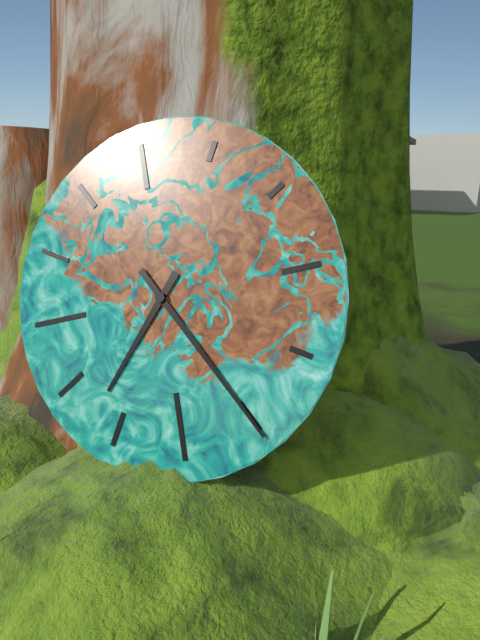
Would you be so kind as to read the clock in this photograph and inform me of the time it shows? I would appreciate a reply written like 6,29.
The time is 7,25
